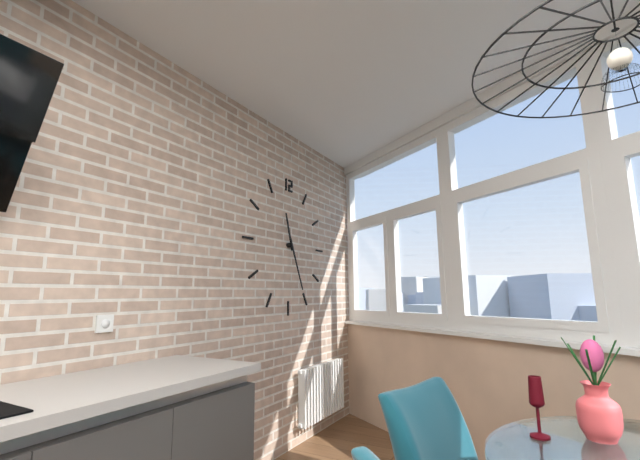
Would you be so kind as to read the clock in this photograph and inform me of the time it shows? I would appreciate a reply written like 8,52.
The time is 11,26
